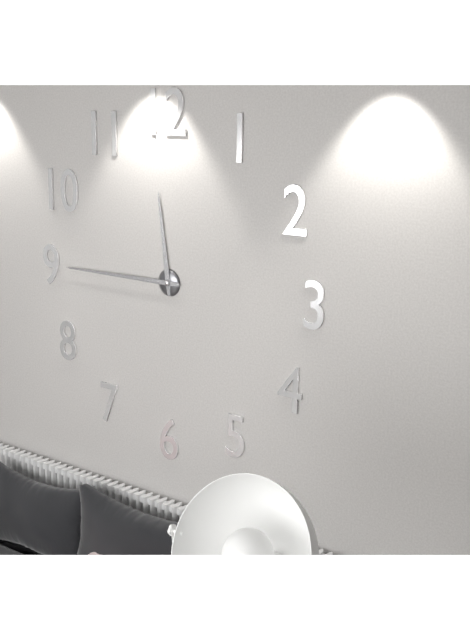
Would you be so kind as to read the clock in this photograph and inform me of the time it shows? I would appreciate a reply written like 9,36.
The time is 11,45
